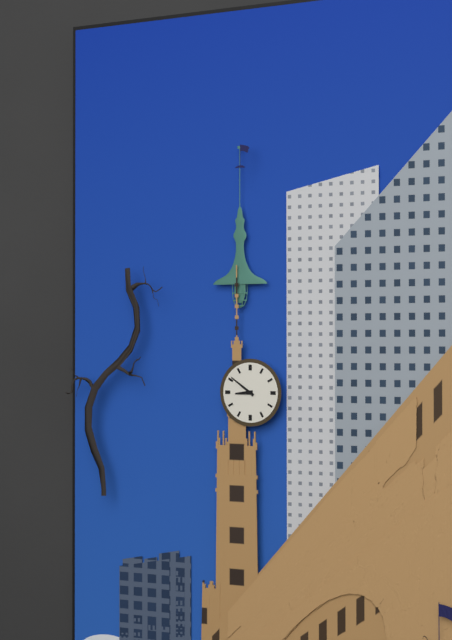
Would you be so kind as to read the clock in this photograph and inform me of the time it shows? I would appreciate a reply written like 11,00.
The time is 8,51
